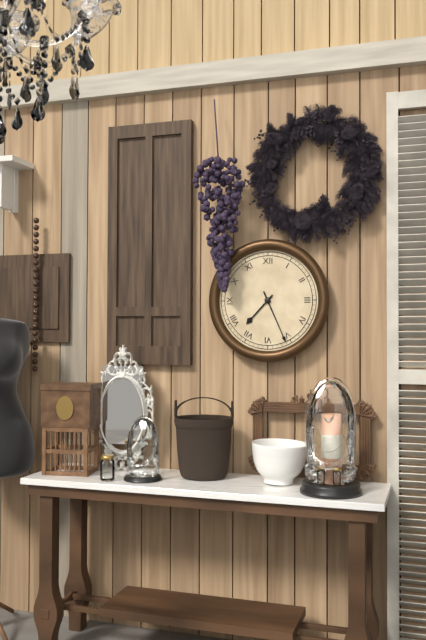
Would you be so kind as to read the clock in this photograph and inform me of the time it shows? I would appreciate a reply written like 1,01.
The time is 7,26
